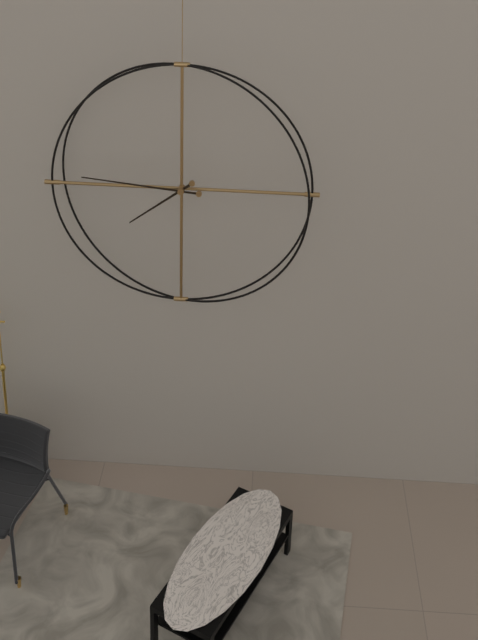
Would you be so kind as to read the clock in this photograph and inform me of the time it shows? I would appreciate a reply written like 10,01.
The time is 7,46
